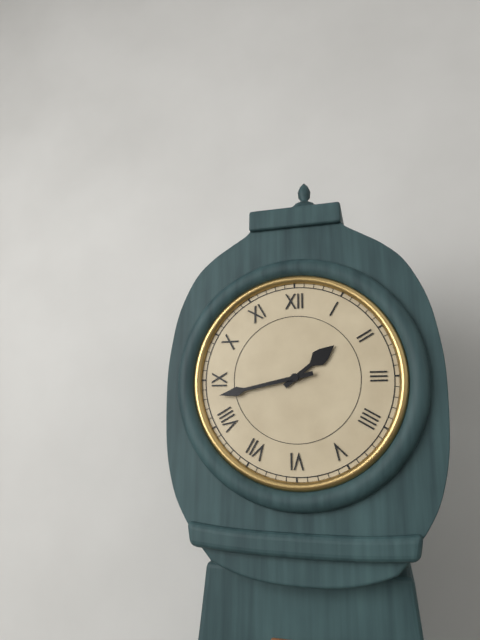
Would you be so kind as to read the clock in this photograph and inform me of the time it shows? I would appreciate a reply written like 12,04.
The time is 1,43
